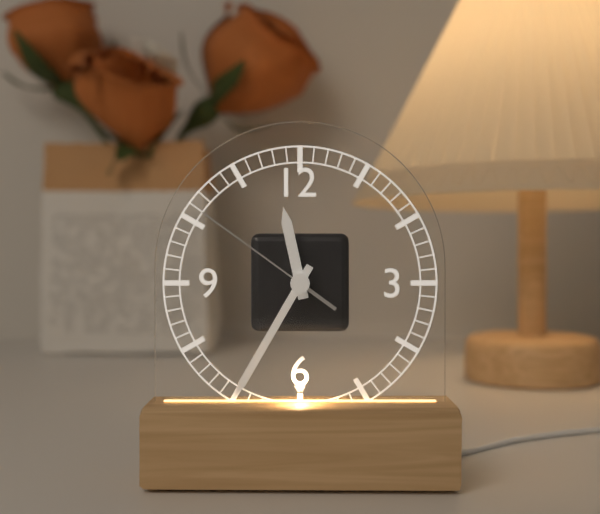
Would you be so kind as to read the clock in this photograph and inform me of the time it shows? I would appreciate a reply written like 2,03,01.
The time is 11,35,51
